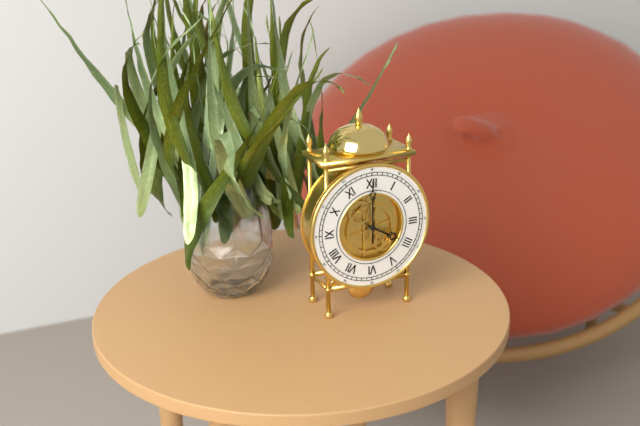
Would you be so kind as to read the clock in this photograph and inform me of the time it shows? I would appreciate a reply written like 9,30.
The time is 4,00
